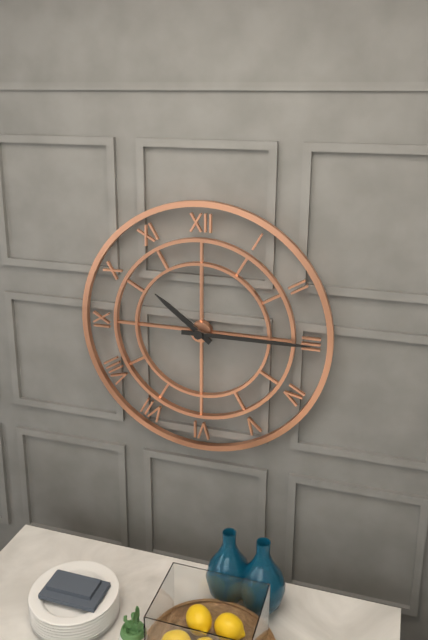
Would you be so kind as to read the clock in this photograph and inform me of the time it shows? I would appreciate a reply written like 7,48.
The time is 10,15
